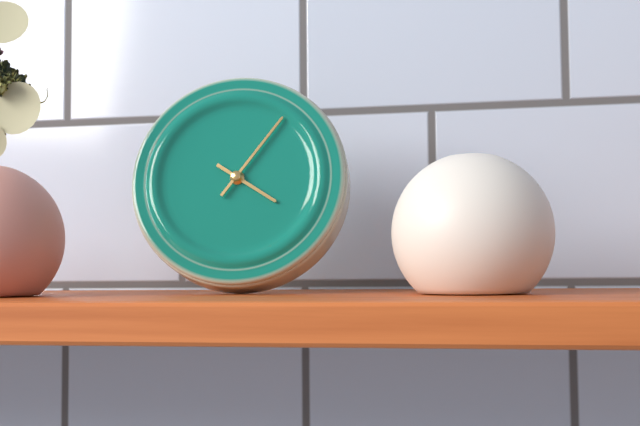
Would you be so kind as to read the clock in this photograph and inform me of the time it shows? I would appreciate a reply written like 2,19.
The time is 4,06
